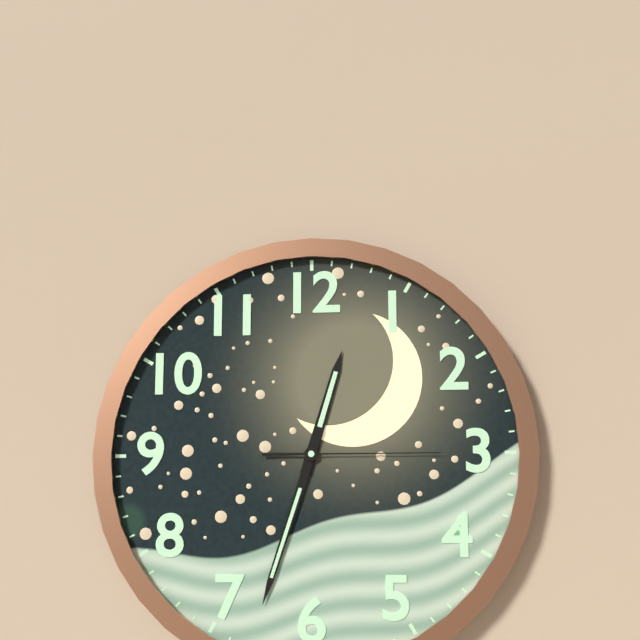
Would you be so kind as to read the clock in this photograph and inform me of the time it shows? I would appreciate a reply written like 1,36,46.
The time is 12,33,15
